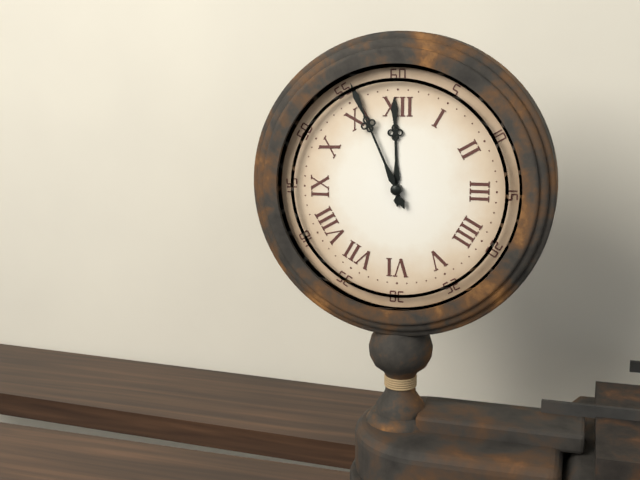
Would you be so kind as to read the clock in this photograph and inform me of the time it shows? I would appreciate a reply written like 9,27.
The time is 11,56
